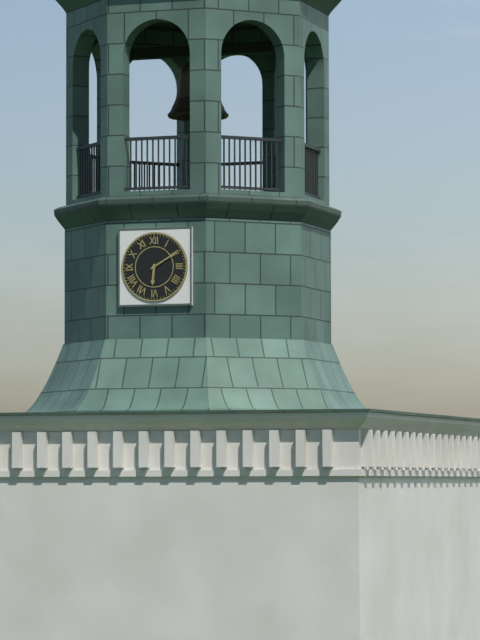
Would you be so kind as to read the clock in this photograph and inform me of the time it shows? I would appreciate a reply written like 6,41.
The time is 6,10
